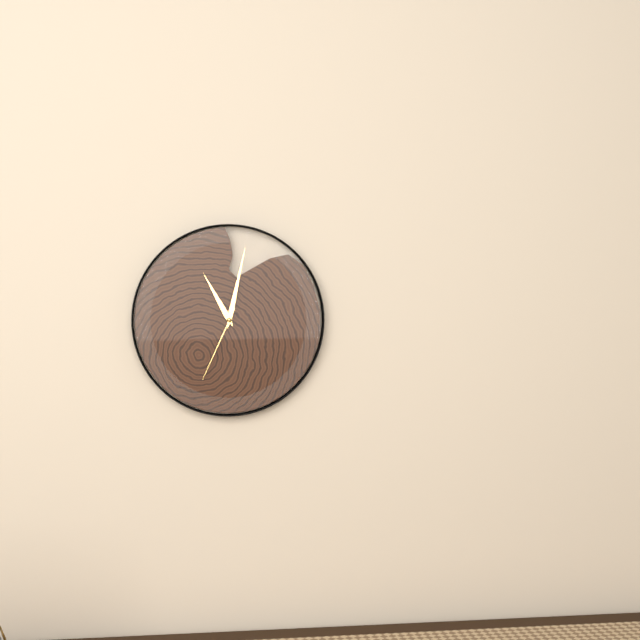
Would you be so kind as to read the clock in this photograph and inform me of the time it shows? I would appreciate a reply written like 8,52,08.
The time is 11,02,34
